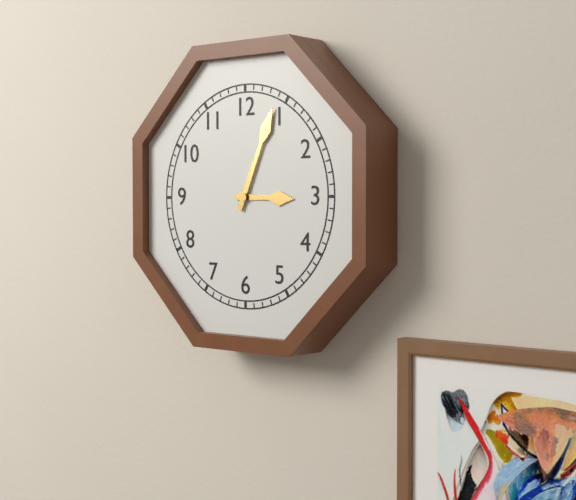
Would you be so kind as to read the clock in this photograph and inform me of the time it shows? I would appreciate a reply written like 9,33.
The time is 3,04
